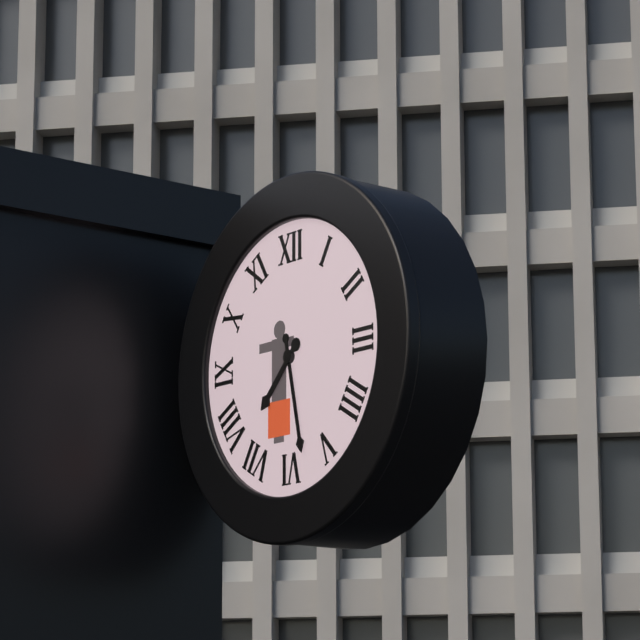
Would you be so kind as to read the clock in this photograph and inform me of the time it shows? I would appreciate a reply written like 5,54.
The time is 7,28
